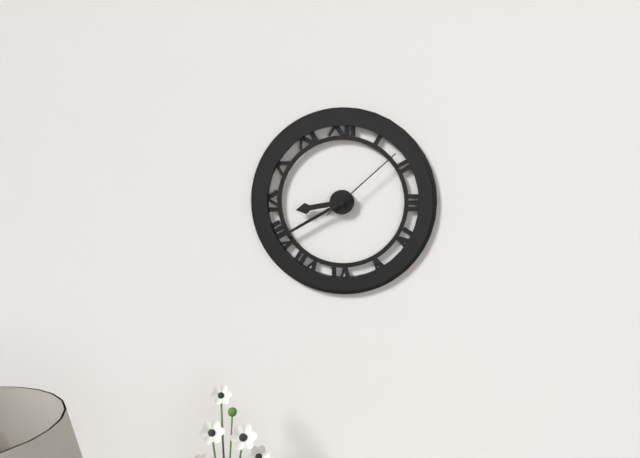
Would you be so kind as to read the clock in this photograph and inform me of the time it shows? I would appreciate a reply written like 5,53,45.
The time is 8,40,08
